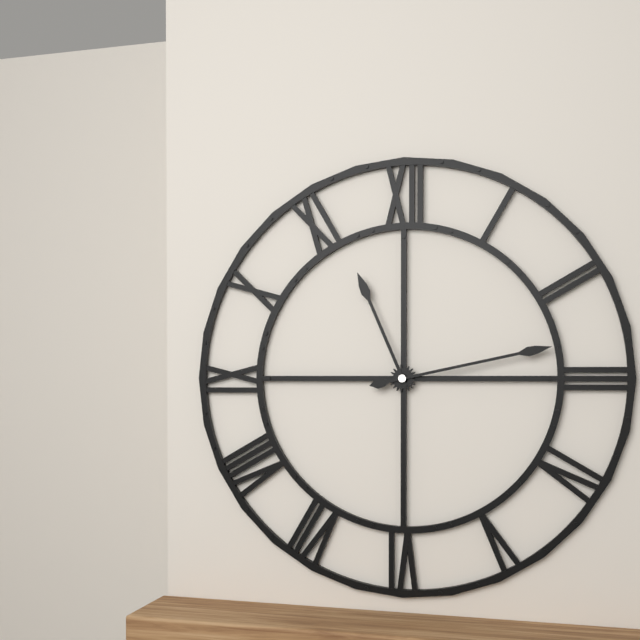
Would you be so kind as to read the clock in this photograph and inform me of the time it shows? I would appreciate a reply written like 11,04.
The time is 11,13
